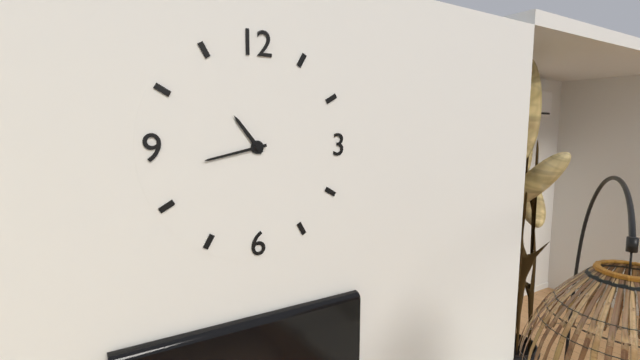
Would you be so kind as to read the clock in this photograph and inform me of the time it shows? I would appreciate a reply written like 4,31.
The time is 10,43
